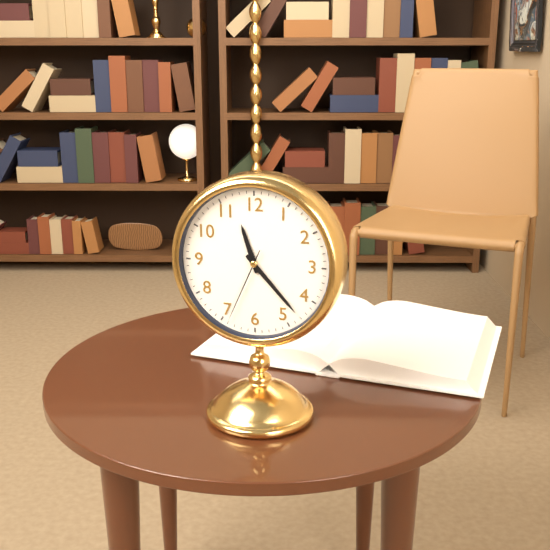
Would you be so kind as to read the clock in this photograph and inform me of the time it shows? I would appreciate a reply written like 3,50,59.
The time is 11,23,34
